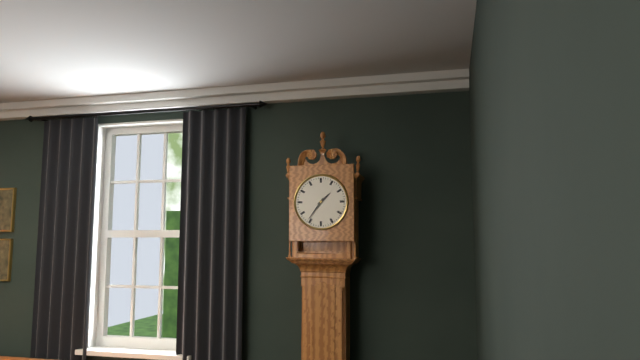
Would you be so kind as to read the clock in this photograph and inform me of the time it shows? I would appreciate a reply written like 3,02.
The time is 1,36
